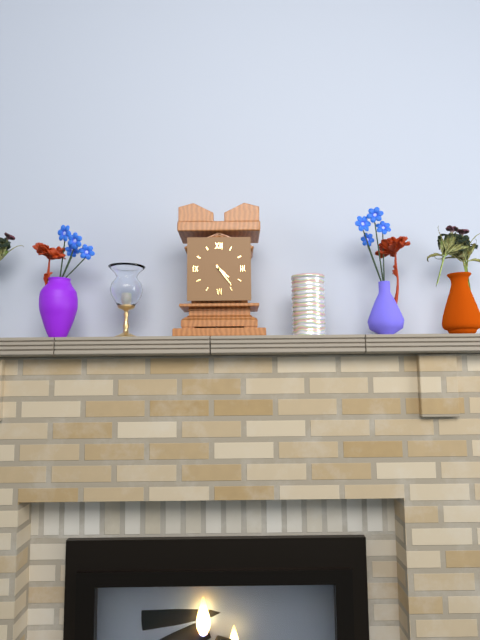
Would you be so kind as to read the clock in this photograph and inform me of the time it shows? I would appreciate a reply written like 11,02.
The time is 4,24
